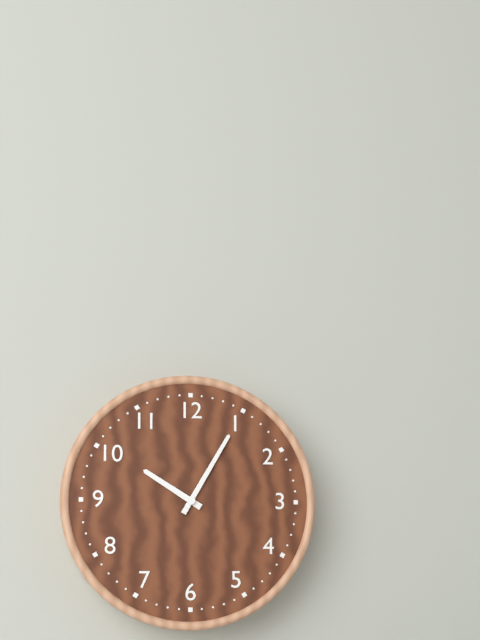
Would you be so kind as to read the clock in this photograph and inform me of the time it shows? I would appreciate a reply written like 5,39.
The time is 10,05
